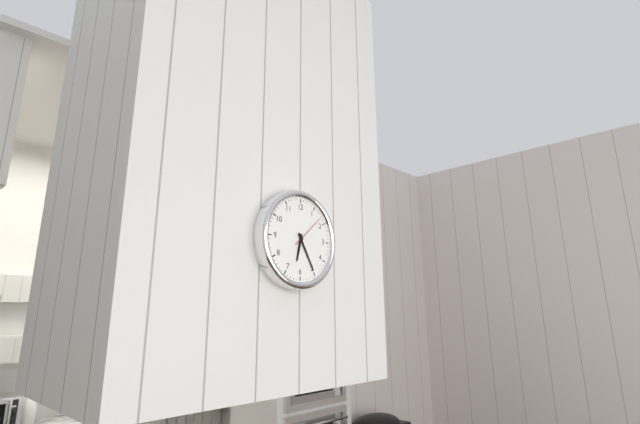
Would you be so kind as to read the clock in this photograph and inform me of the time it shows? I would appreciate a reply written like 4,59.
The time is 6,25
